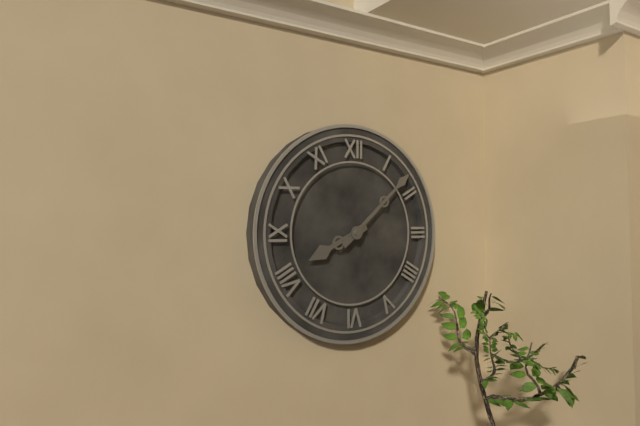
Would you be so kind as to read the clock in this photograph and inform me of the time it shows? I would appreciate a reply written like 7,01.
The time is 8,08
